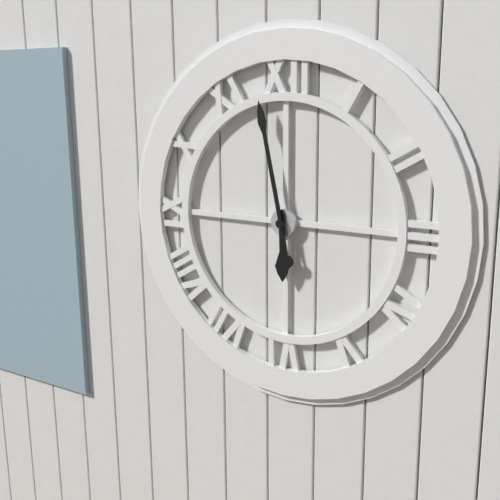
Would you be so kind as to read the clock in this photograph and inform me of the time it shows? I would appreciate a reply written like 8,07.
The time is 5,58
